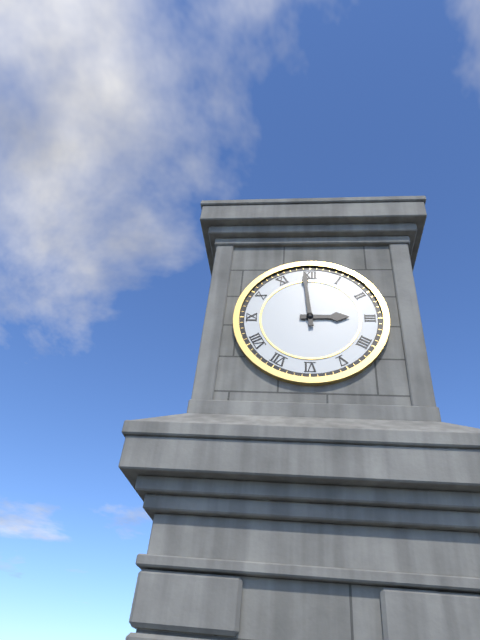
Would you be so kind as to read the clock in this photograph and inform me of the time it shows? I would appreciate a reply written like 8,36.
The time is 2,59
